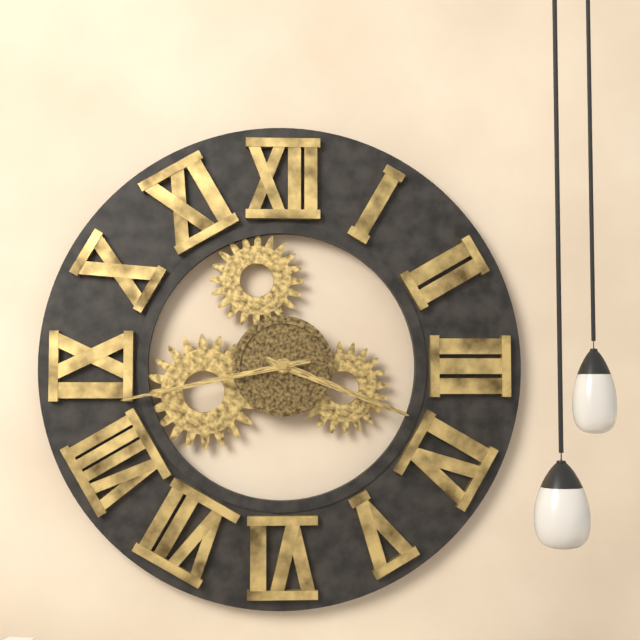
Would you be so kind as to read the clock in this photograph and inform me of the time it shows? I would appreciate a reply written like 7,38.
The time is 3,43
